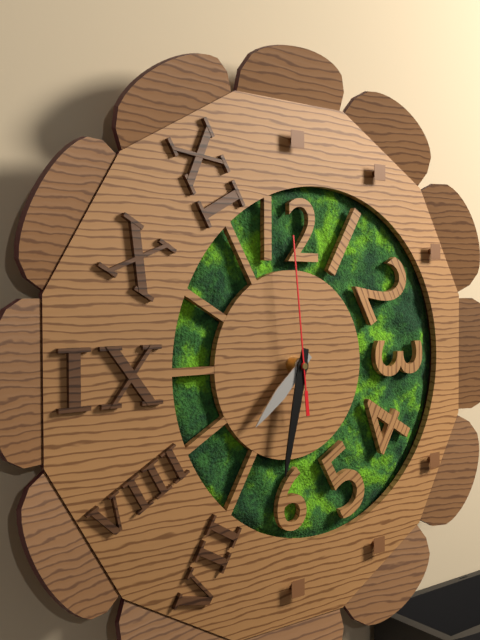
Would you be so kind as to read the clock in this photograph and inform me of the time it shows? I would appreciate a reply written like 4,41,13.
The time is 7,32,59
